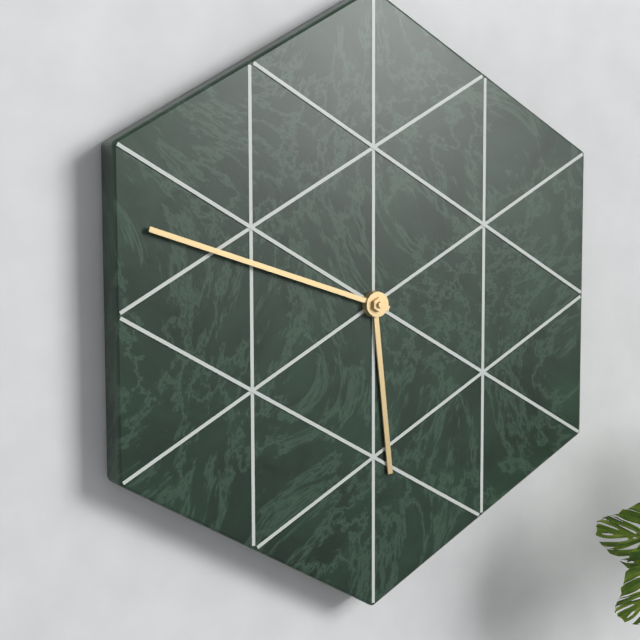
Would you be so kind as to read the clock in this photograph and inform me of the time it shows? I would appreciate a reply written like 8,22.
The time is 5,48
